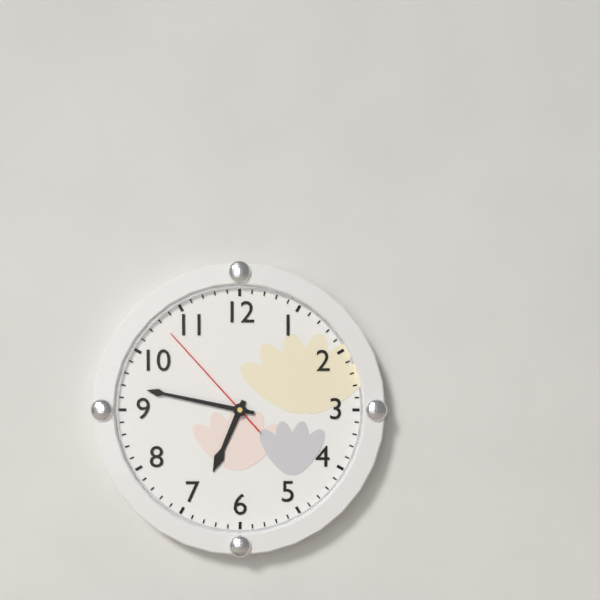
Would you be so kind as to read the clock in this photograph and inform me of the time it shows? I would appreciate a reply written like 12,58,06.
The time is 6,47,53
